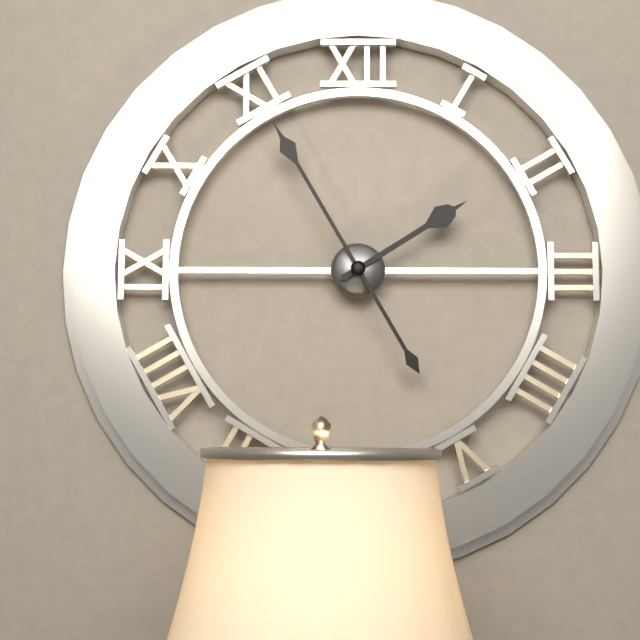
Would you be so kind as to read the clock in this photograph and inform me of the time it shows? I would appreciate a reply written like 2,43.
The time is 1,55
